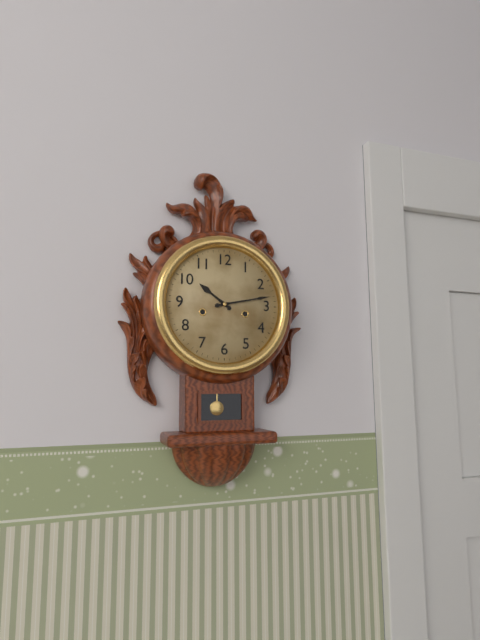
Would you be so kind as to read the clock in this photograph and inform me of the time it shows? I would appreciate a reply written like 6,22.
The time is 10,13
